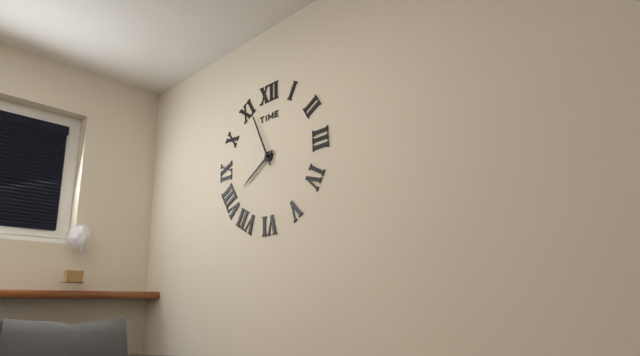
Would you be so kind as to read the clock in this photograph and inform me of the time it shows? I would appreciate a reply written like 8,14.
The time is 7,56
